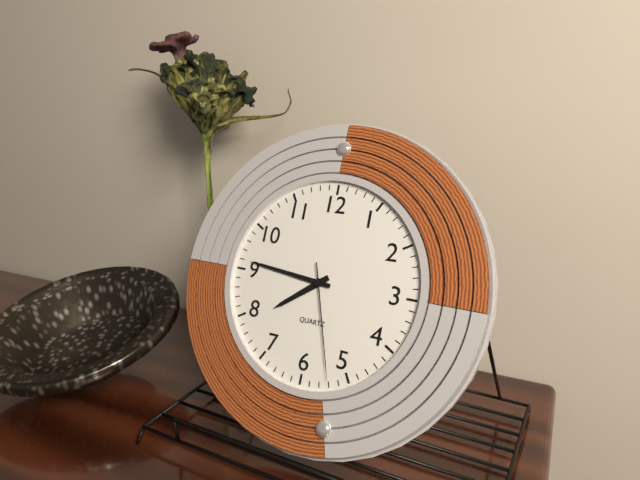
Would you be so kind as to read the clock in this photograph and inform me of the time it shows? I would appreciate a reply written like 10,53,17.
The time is 7,46,27
